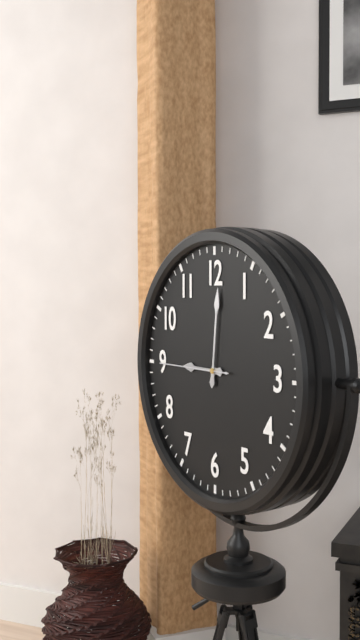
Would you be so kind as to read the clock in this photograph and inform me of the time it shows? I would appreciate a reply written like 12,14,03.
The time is 9,01,45
